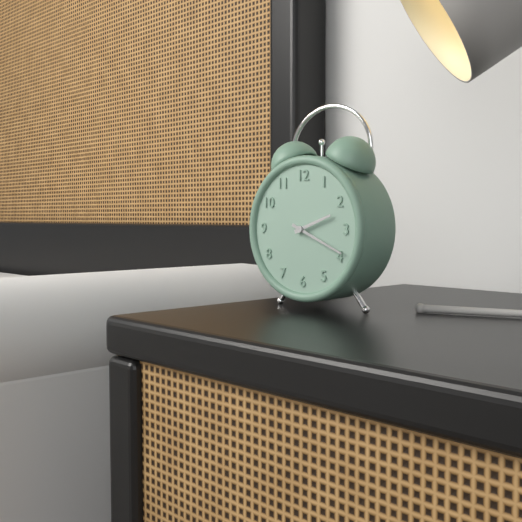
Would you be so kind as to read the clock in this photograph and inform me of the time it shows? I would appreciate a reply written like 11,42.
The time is 2,19
